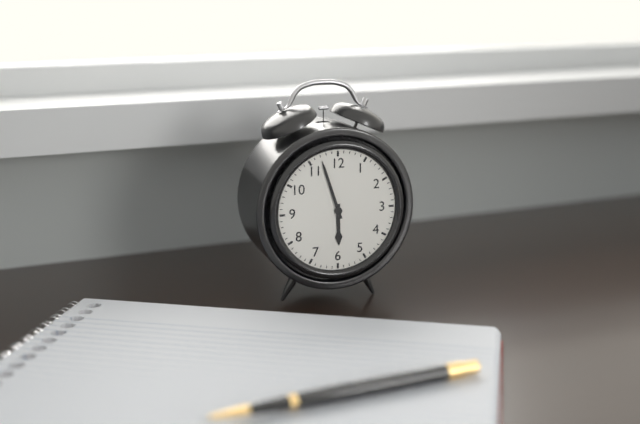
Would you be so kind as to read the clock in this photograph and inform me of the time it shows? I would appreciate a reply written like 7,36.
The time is 5,57
